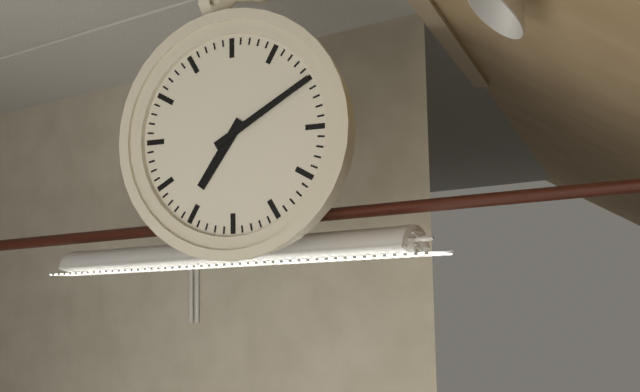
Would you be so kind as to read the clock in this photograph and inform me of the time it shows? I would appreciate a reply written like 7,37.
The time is 7,10
